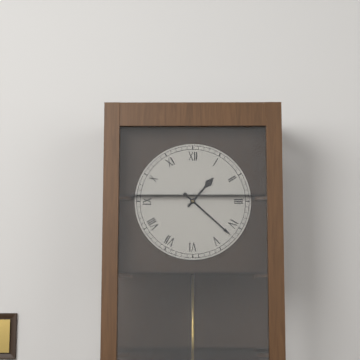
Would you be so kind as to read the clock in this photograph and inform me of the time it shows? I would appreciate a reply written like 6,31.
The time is 1,22
